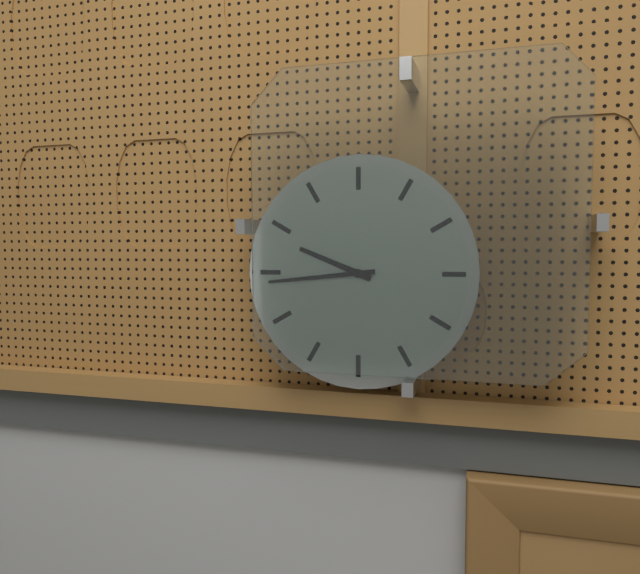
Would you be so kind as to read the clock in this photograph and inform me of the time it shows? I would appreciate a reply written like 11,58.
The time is 9,44
